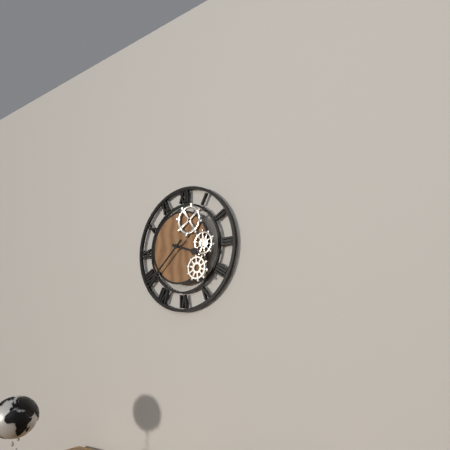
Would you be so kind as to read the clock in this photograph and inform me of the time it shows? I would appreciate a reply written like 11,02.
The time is 3,38
